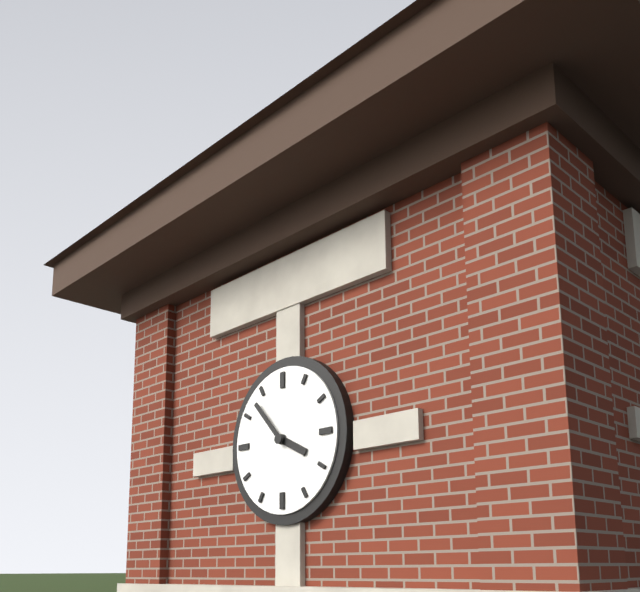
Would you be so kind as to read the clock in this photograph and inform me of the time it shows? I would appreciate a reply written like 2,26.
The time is 3,53
